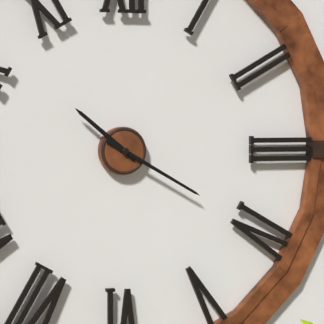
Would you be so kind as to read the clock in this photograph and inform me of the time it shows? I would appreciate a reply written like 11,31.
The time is 10,20
